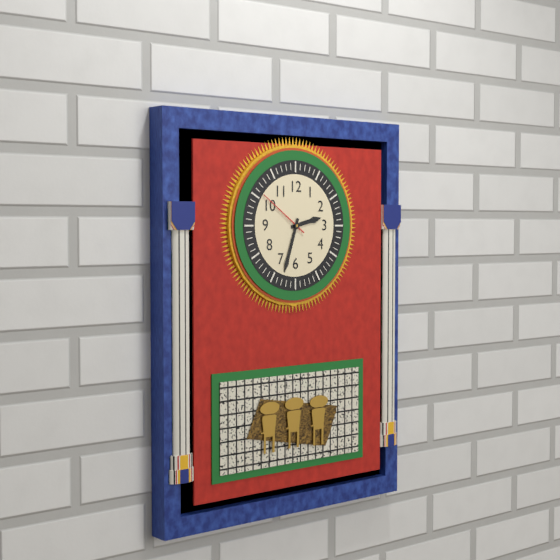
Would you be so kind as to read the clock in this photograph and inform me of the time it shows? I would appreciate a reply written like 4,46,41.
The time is 2,33,51
